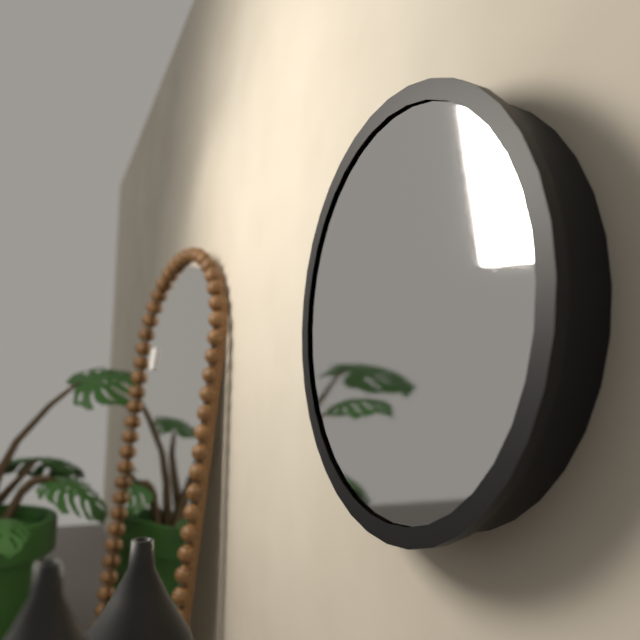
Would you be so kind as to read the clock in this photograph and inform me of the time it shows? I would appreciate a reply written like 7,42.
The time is 11,54
